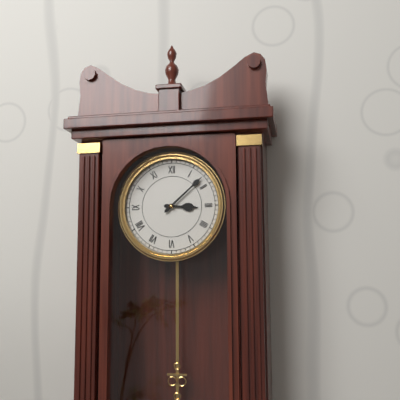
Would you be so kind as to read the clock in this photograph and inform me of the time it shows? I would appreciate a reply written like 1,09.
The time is 3,08
